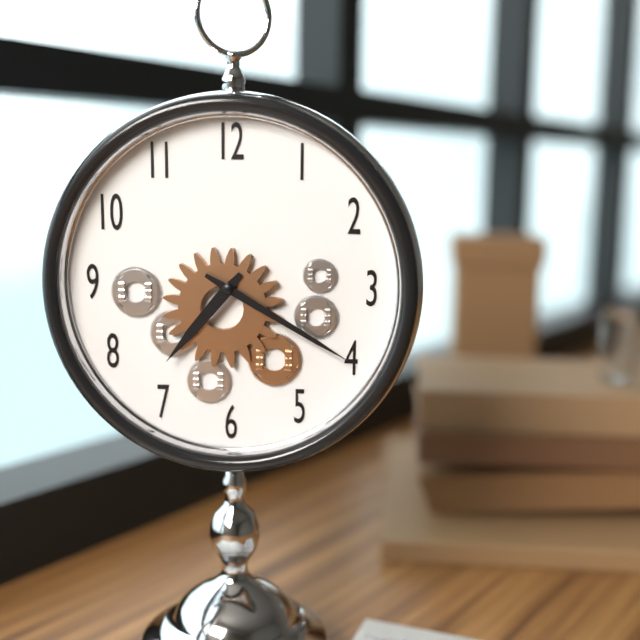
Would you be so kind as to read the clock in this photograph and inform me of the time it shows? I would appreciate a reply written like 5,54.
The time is 7,20
